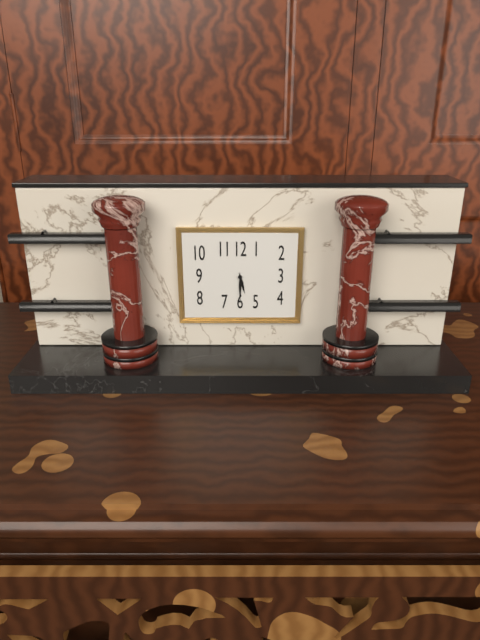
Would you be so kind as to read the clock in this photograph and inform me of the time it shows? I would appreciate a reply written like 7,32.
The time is 5,30
